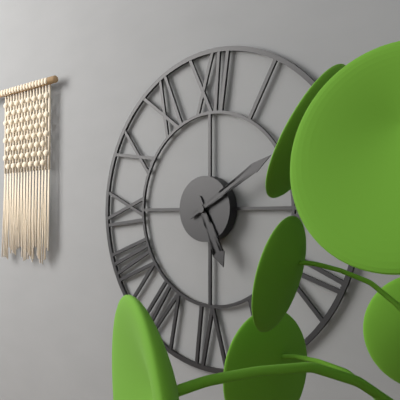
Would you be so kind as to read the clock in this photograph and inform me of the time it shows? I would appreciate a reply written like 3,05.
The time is 5,10
